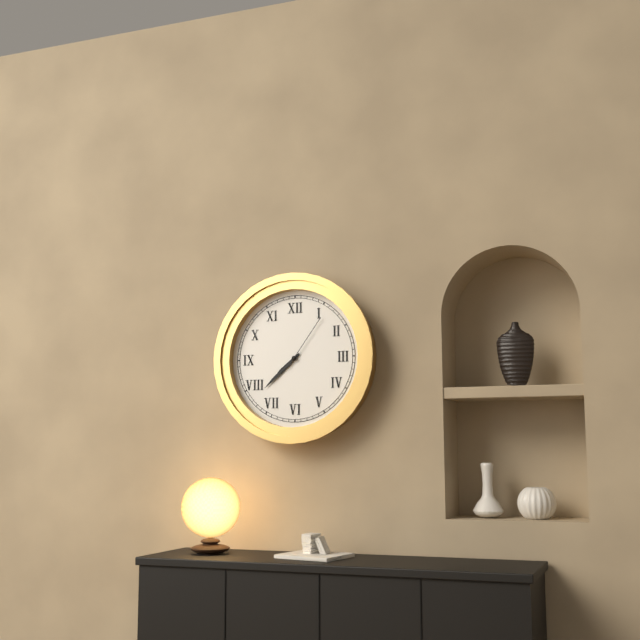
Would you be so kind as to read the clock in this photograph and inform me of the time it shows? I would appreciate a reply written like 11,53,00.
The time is 7,38,06
